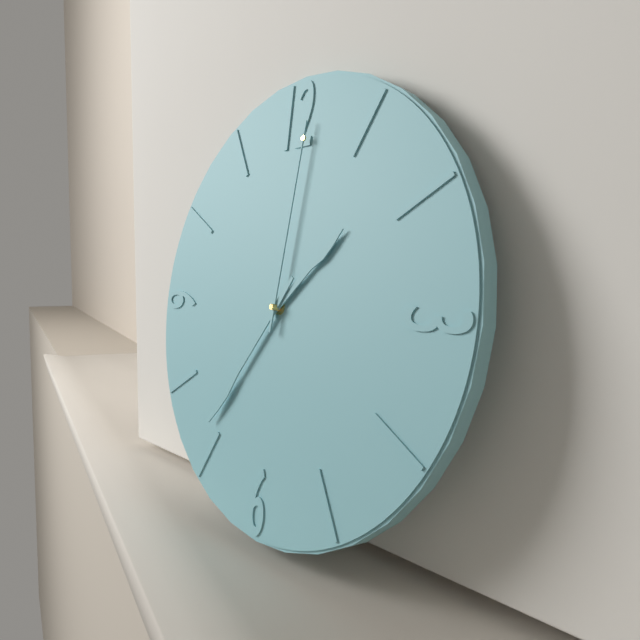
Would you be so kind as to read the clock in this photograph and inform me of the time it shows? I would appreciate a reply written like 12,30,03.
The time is 1,36,01
